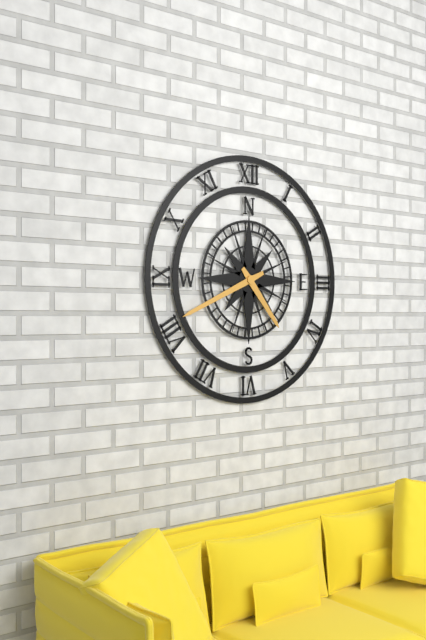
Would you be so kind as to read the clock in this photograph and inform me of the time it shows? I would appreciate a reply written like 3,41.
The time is 4,41
